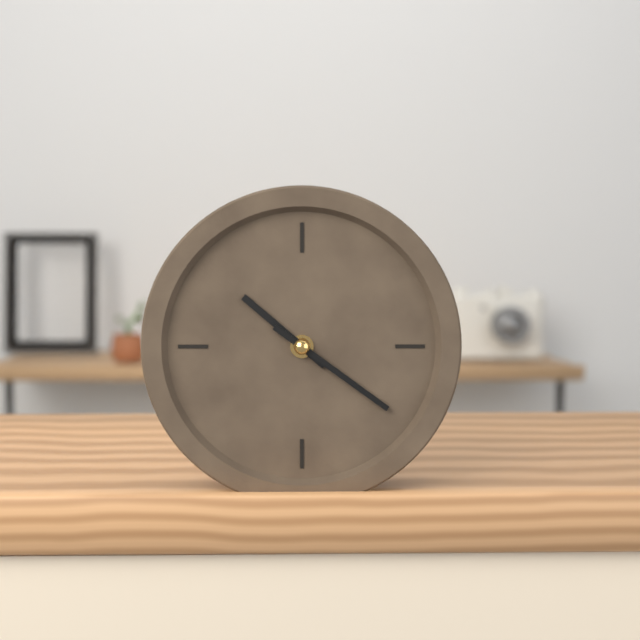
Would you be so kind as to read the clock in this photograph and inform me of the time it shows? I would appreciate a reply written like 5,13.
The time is 10,21
